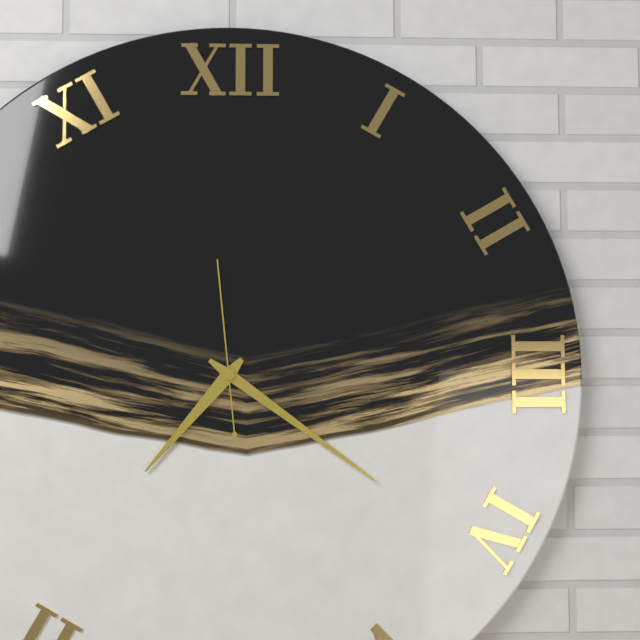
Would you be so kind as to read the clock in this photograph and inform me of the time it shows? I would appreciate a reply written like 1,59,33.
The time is 7,21,59
